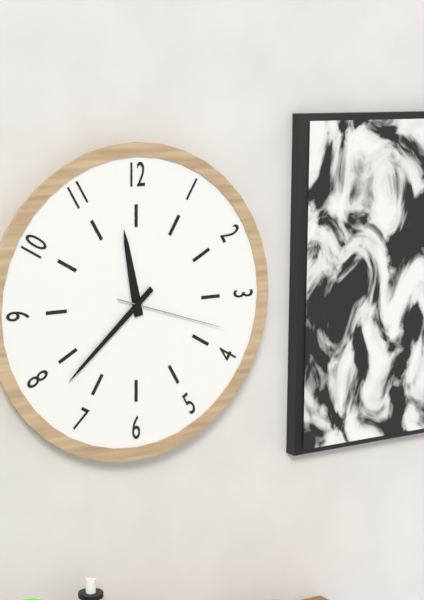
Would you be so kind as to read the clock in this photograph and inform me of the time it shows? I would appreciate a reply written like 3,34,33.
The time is 11,38,18
